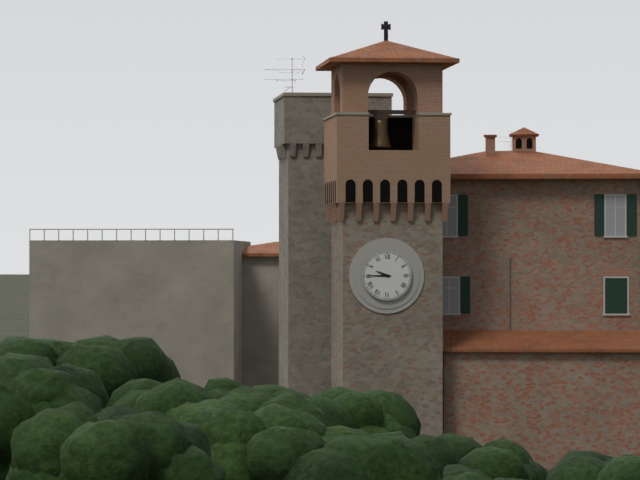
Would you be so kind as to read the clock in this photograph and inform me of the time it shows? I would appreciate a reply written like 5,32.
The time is 9,45
